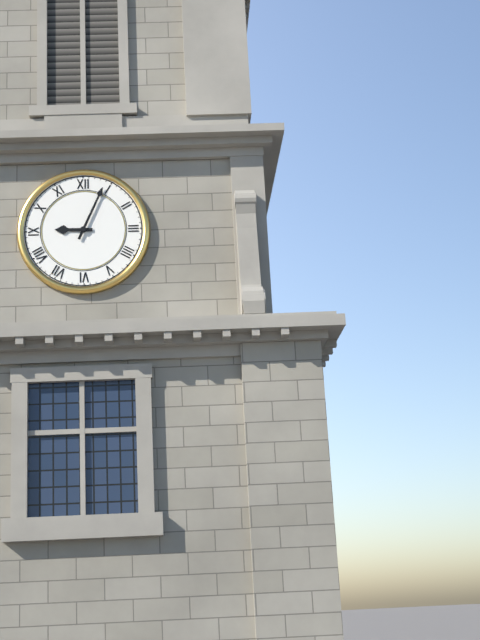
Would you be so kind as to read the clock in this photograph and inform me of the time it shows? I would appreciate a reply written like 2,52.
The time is 9,04
